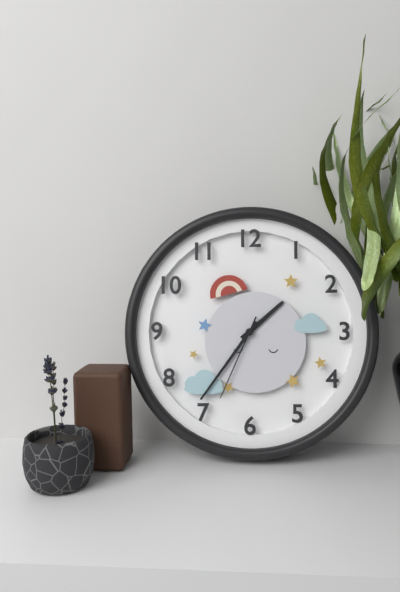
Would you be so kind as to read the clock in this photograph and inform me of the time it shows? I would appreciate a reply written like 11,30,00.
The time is 1,36,34
